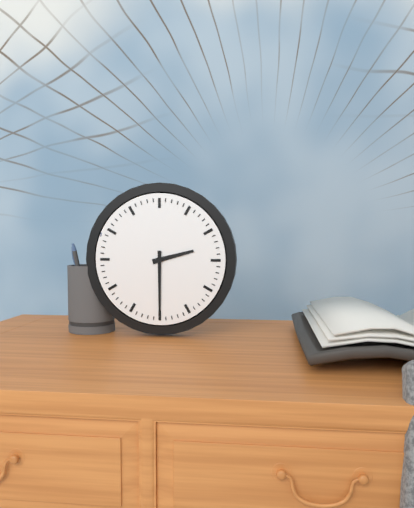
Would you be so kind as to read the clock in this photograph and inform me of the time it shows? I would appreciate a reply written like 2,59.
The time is 2,30
